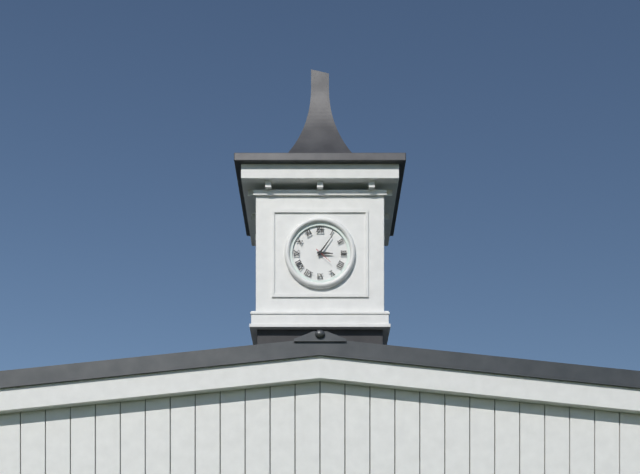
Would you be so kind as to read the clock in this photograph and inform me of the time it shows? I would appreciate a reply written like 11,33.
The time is 3,06
